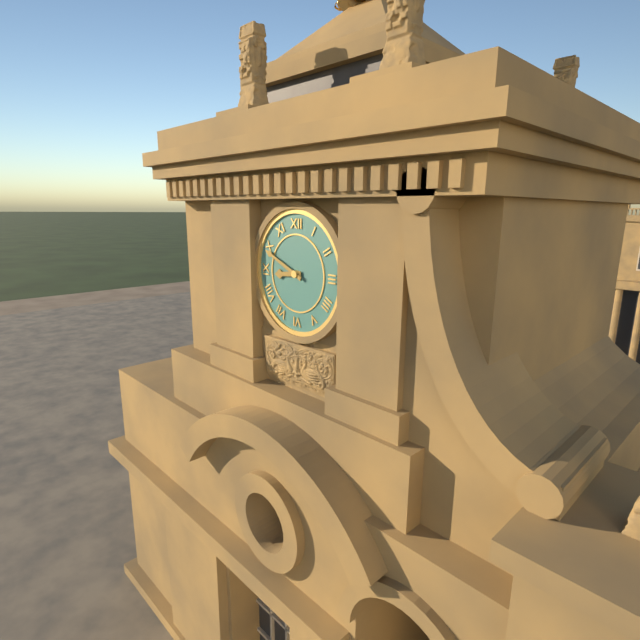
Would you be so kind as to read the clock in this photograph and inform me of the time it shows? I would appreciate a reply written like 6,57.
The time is 8,49
